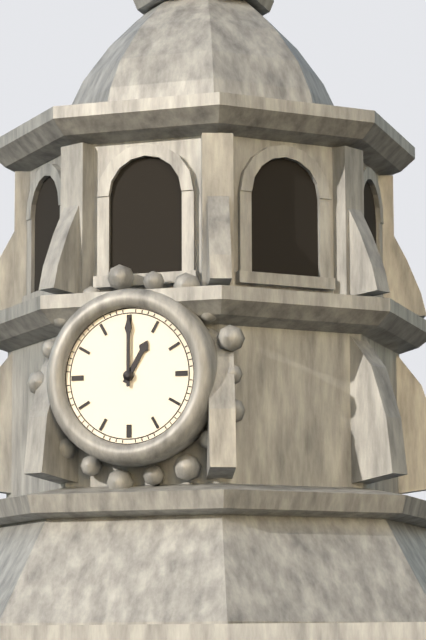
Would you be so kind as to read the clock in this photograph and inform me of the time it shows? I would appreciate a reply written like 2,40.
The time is 1,00
